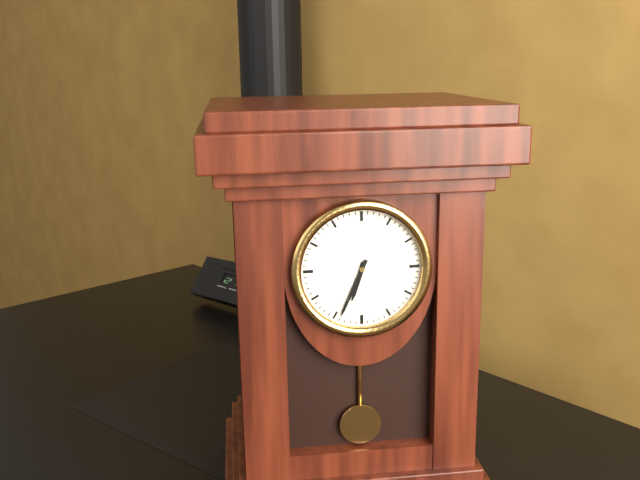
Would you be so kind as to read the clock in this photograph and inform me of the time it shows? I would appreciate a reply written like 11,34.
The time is 6,34
